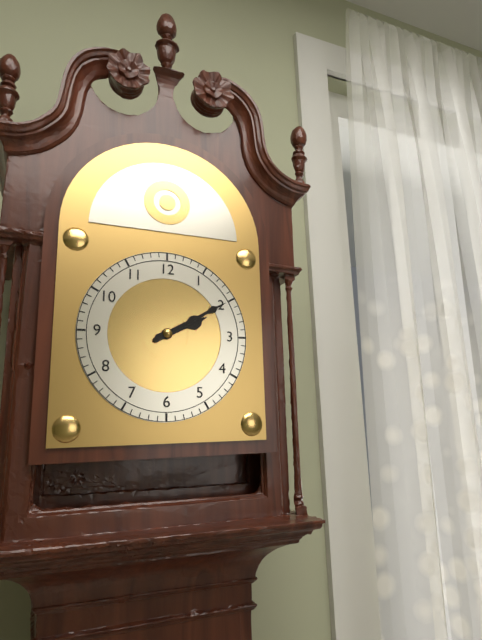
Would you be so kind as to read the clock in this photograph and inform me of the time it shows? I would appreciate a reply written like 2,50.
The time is 2,10
